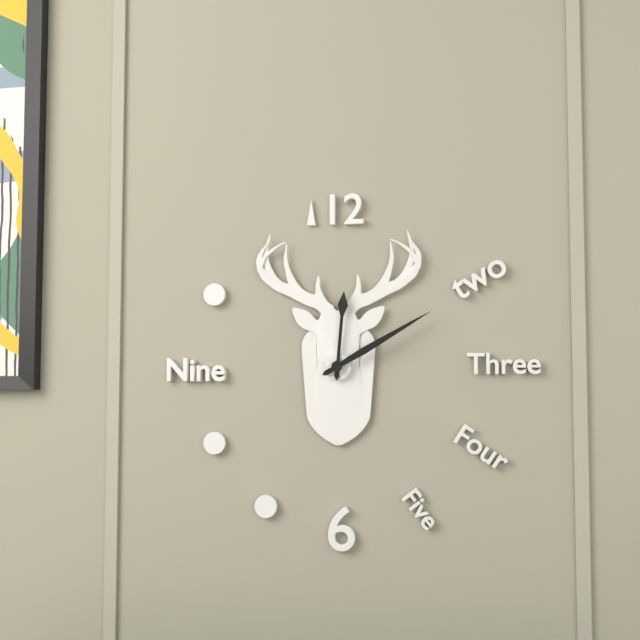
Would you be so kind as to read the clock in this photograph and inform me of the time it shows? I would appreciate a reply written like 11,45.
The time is 12,10
